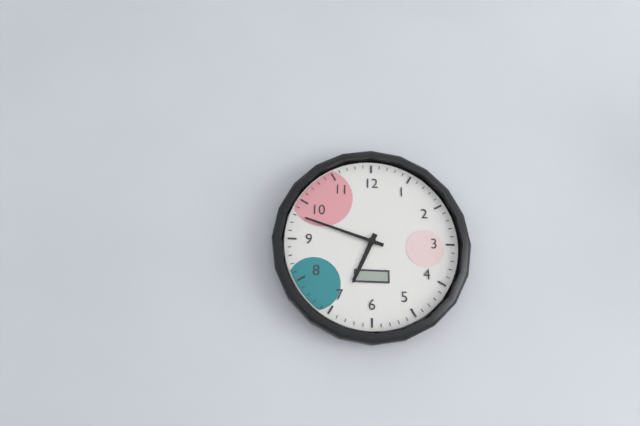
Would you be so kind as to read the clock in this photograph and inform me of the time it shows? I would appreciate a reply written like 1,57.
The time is 6,48
